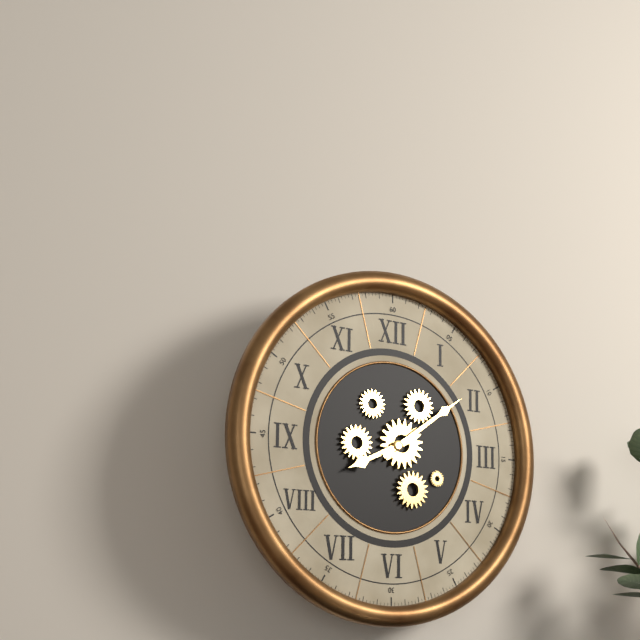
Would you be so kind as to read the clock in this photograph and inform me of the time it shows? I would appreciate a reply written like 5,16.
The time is 8,09
